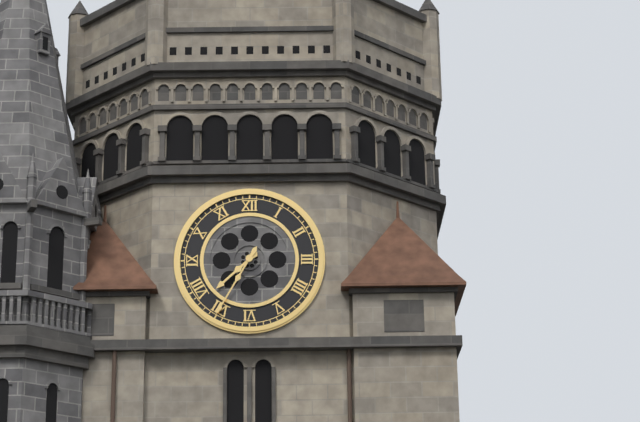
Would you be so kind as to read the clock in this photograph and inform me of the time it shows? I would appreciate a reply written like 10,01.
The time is 7,35
